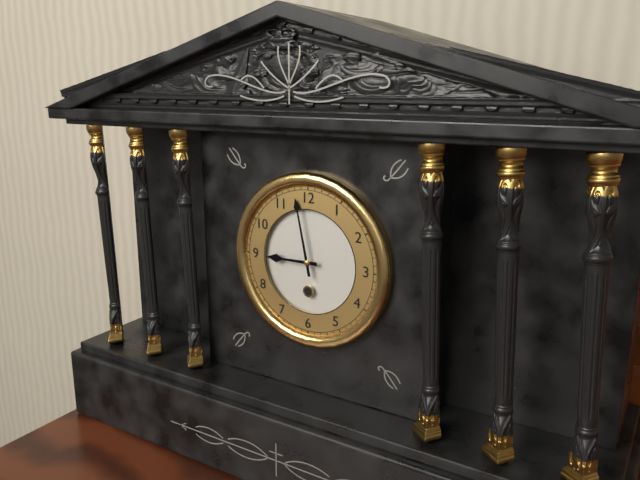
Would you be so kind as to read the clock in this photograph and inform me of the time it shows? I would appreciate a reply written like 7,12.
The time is 8,58
